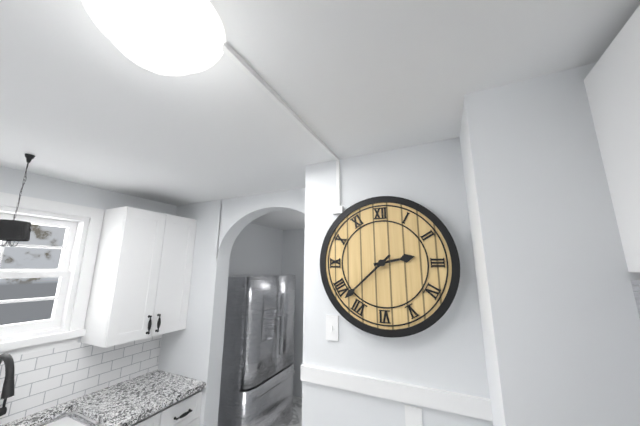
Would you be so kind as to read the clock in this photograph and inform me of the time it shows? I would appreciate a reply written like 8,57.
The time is 2,38
